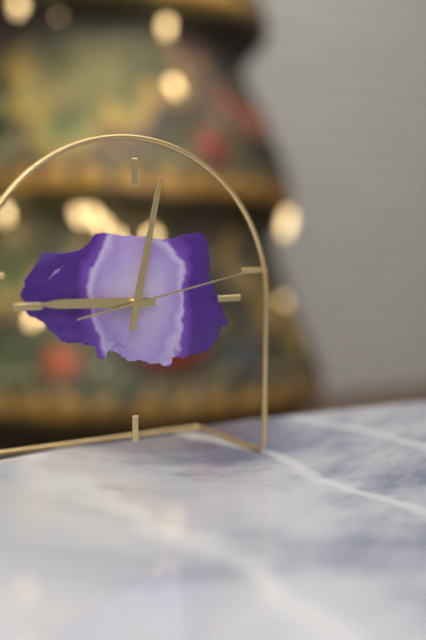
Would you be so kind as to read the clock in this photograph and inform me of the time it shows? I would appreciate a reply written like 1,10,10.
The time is 9,02,13
